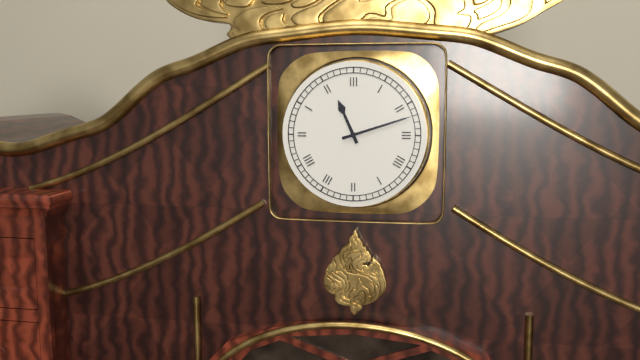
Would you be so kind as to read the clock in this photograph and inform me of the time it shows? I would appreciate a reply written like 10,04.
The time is 11,12
